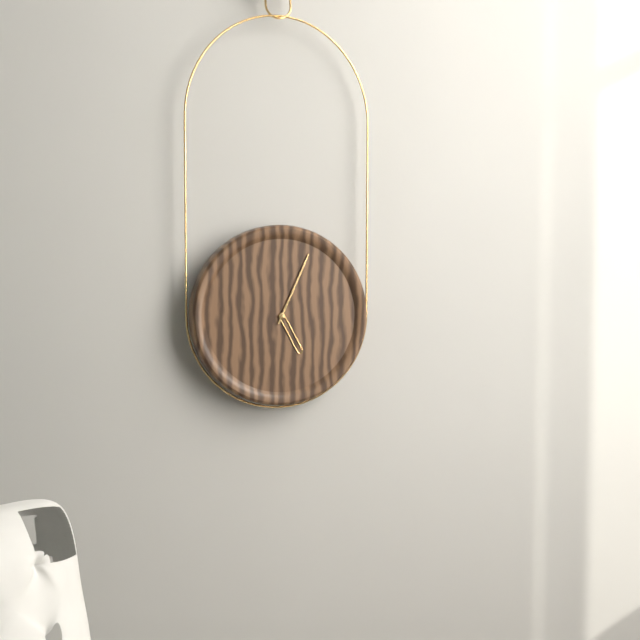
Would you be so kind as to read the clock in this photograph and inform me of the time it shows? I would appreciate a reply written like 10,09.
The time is 5,04
